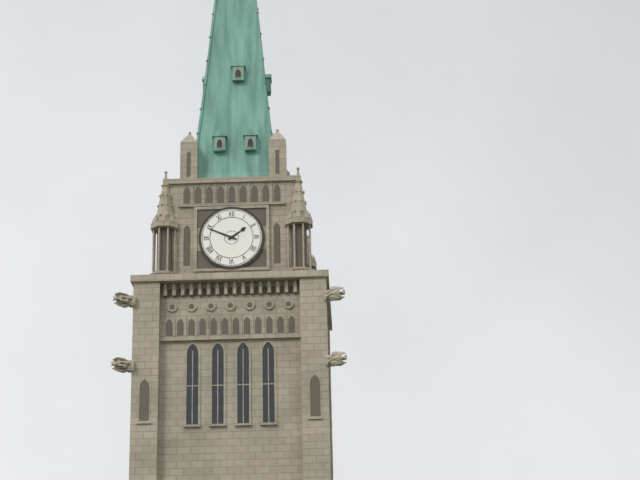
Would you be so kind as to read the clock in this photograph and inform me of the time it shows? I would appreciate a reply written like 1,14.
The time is 1,49
